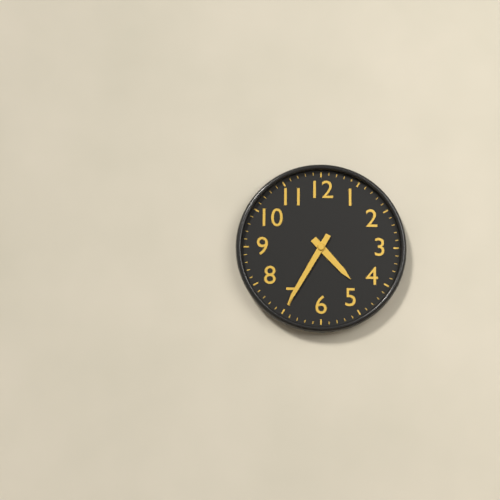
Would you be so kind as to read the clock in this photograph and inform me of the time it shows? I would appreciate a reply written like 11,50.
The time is 4,35
